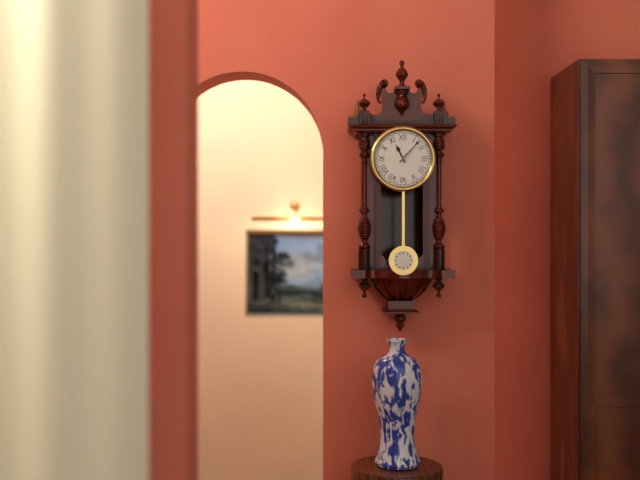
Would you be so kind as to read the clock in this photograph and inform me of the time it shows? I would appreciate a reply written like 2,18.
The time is 11,07
